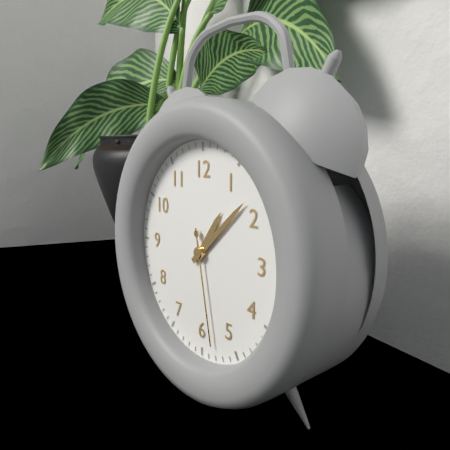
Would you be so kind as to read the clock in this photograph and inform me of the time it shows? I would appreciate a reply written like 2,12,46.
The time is 1,08,28
